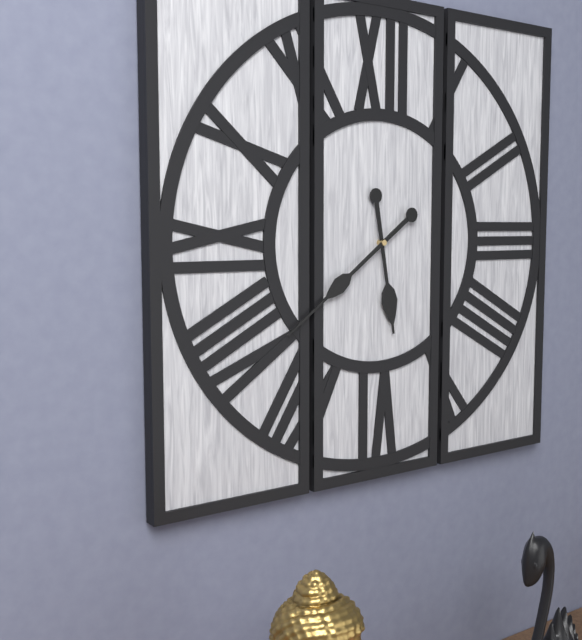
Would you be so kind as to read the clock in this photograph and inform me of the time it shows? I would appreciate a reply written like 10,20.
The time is 5,39
